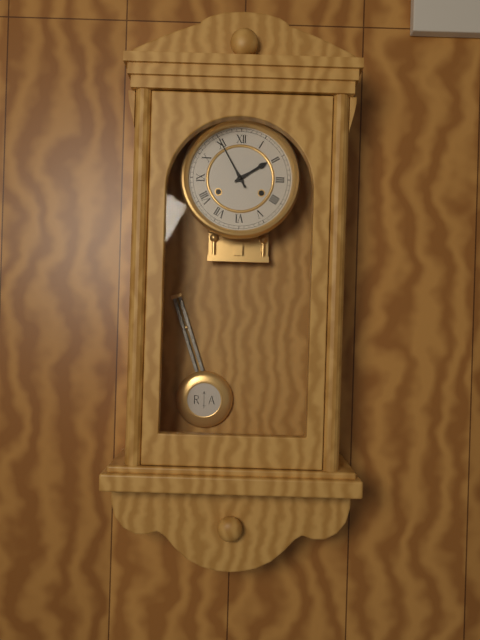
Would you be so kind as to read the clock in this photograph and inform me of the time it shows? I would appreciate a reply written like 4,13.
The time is 1,55
